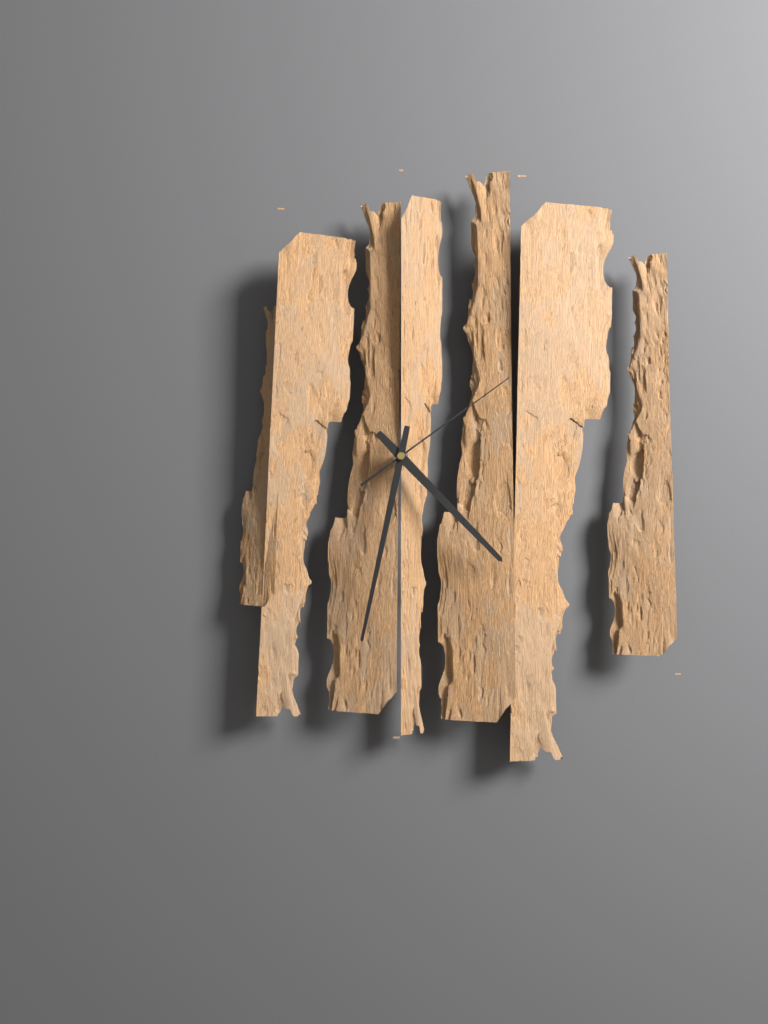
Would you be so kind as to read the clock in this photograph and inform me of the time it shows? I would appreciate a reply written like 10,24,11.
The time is 4,32,09
